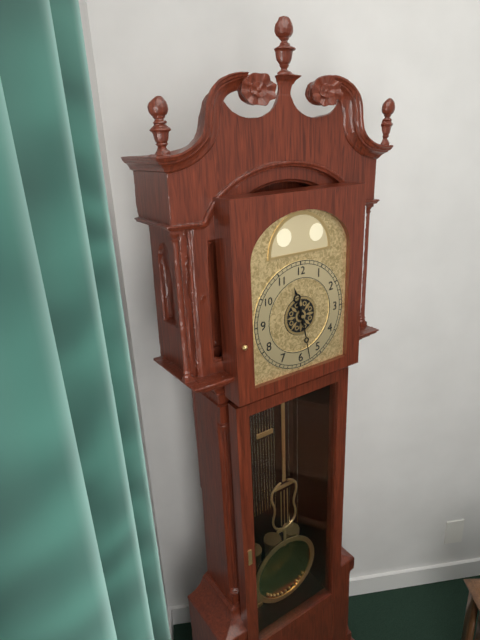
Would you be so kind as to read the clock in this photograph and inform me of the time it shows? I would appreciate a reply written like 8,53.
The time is 11,28
